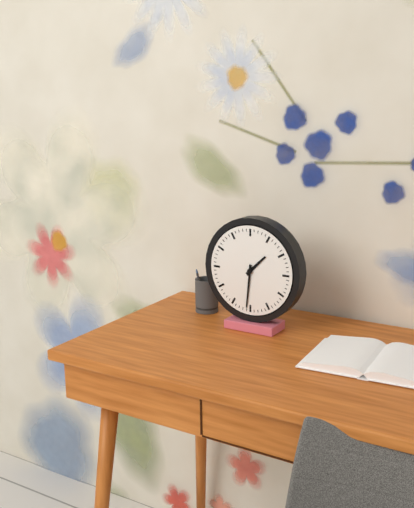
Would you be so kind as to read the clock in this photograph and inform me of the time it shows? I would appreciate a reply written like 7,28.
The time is 1,31
